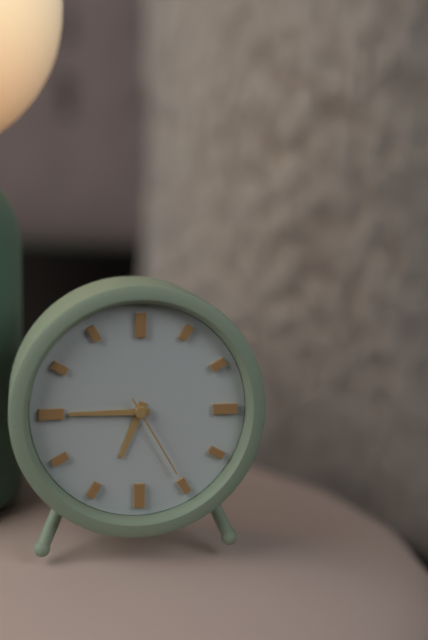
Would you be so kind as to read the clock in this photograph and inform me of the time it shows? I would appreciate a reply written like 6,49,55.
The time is 6,45,25
